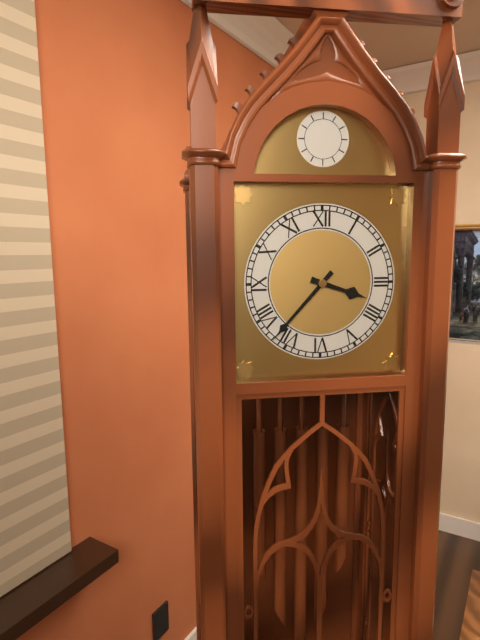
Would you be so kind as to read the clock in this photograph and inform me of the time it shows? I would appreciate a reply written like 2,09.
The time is 3,37
